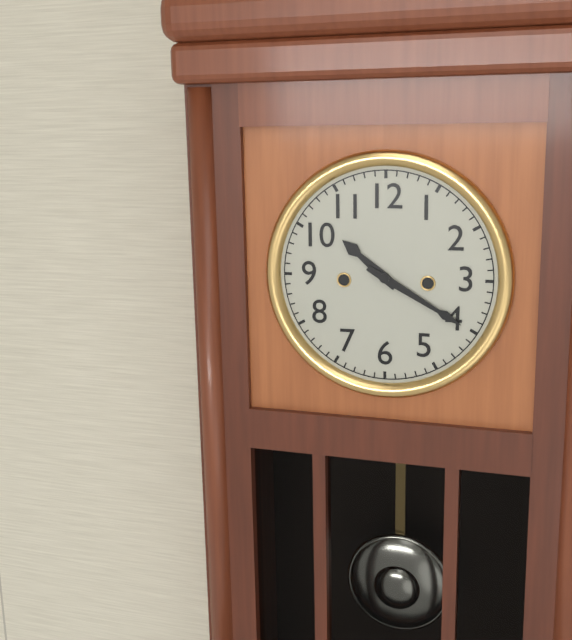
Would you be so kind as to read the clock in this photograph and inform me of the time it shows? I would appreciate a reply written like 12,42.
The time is 10,20
